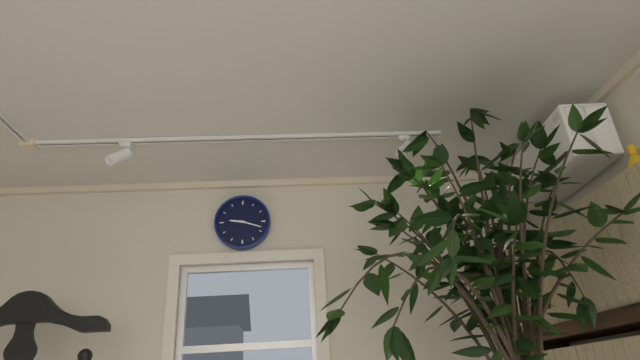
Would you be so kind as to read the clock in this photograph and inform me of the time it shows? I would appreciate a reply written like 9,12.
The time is 9,18
